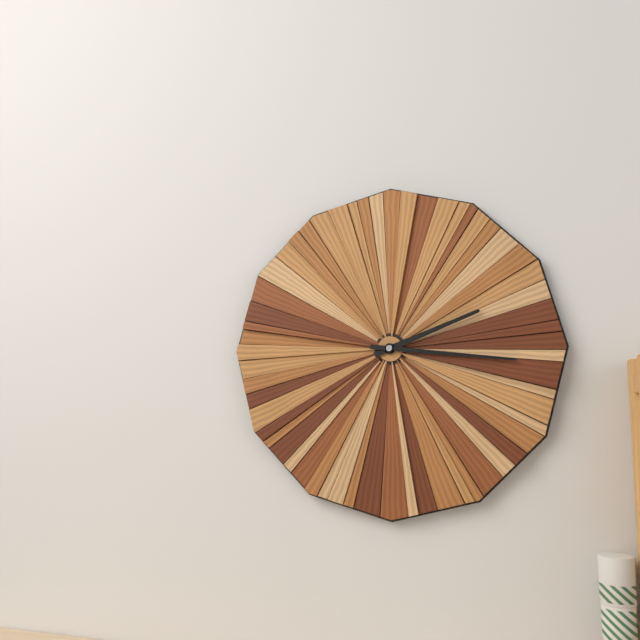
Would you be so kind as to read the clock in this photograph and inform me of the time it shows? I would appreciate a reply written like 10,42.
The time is 2,16
